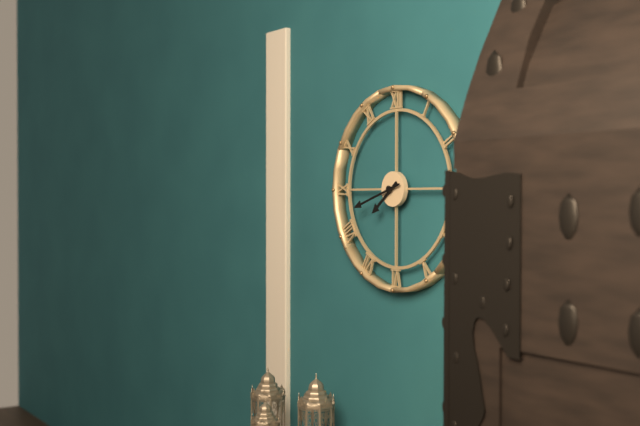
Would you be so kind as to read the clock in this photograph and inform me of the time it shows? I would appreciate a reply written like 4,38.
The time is 7,42
